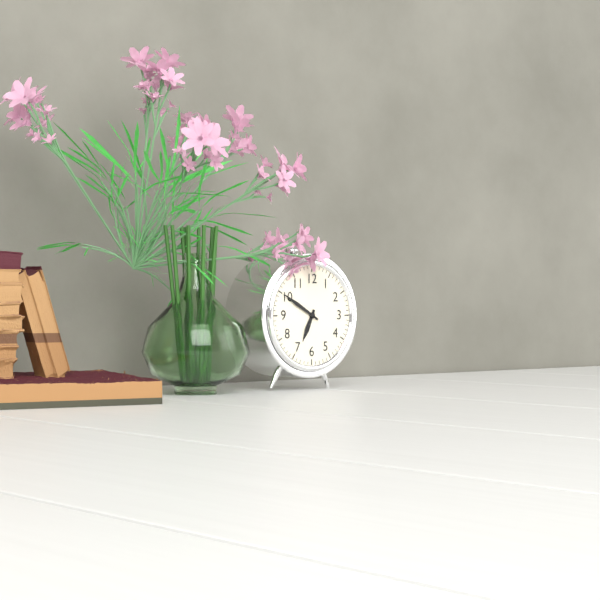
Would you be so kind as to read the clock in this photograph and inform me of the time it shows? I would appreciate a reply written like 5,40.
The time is 6,50
